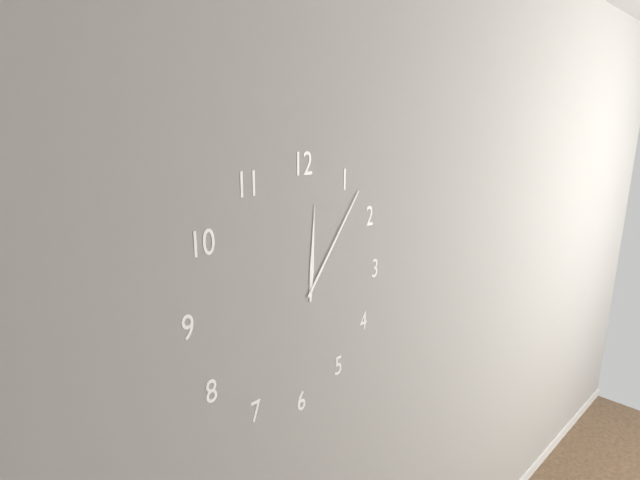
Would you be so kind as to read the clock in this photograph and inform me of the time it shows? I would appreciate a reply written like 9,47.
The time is 12,06
